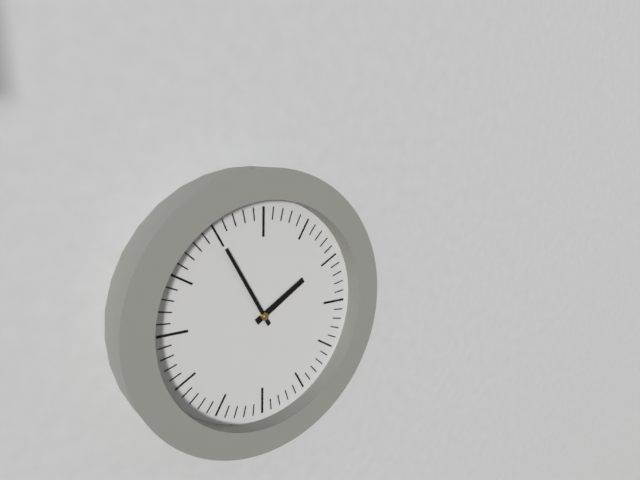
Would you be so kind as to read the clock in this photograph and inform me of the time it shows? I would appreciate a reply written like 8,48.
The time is 1,55
